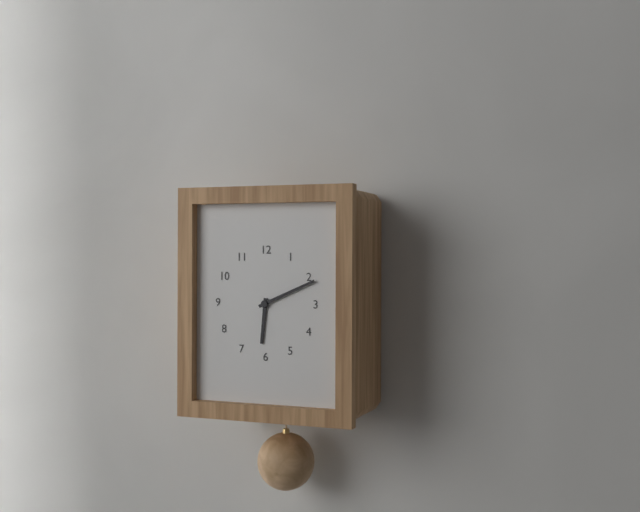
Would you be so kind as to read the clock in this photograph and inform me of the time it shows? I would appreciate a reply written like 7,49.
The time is 6,11
